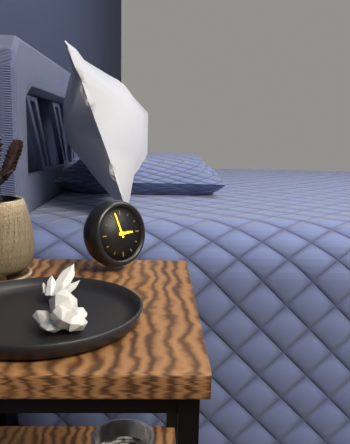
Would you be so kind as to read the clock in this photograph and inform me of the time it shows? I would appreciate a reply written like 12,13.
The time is 2,57
